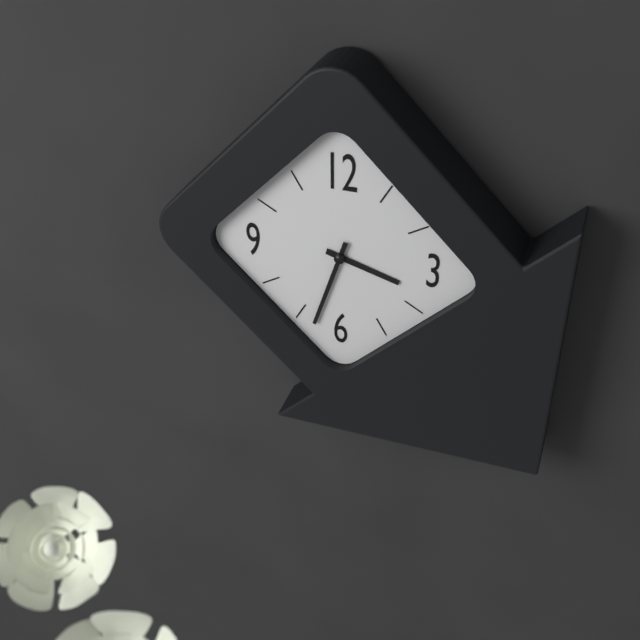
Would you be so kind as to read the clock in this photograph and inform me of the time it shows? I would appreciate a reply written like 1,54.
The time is 3,33
